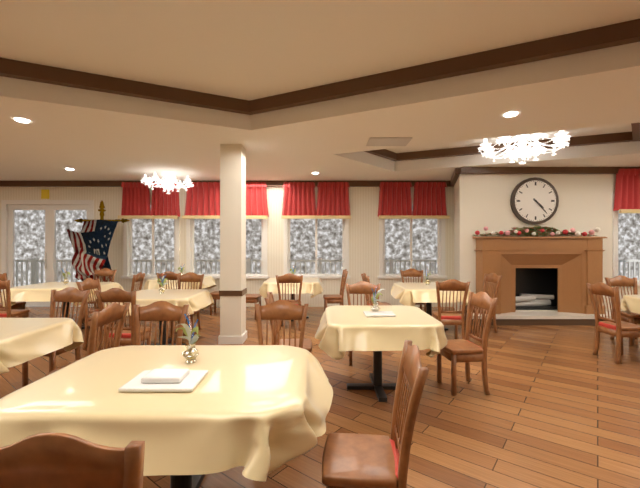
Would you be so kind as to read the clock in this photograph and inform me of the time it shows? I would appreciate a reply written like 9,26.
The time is 4,23
